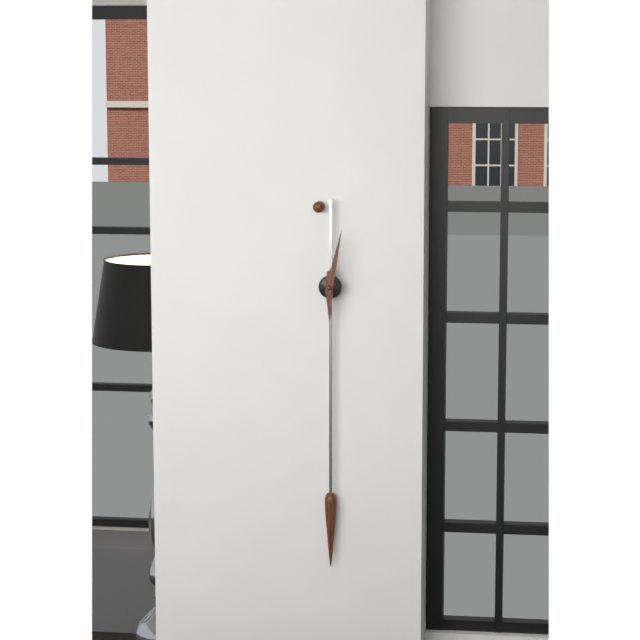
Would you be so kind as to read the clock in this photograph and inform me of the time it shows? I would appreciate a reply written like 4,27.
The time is 6,02
